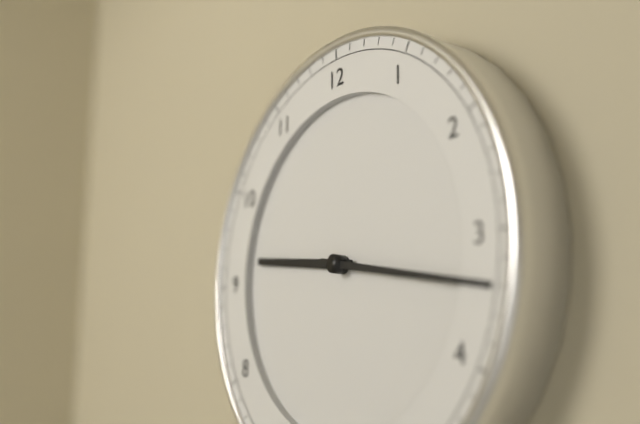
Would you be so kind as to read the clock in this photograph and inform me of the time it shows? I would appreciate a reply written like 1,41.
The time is 9,17
